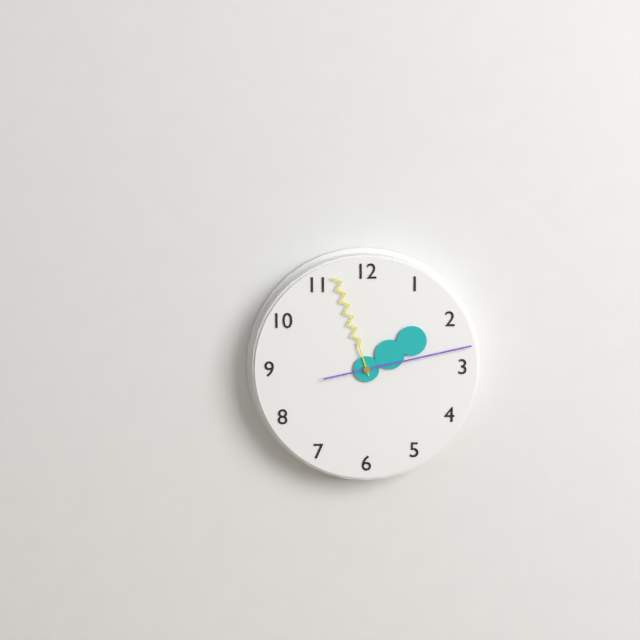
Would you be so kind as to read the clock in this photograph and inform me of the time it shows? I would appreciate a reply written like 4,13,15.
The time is 1,57,13
